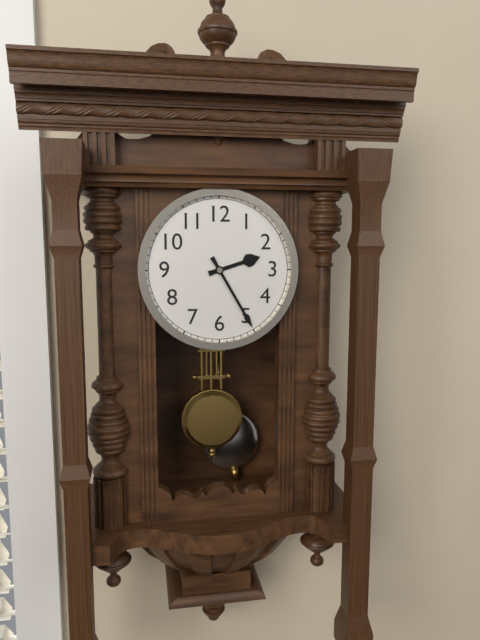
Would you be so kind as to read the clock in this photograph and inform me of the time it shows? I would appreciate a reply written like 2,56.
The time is 2,25
